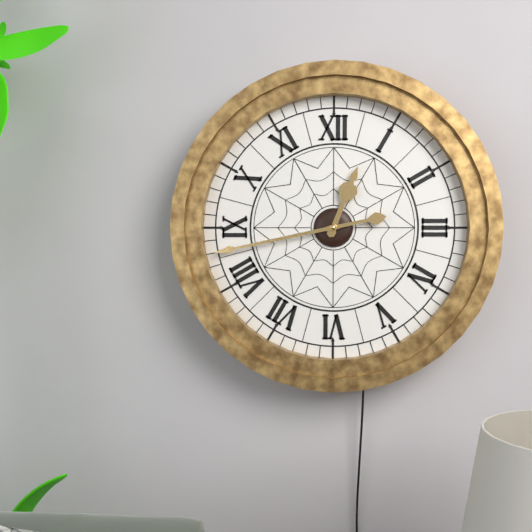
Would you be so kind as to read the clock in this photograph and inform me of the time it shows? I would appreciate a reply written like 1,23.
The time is 12,43
